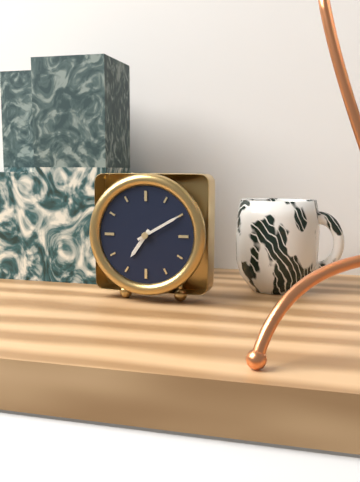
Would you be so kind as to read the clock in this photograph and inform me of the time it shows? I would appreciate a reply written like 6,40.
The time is 7,10
